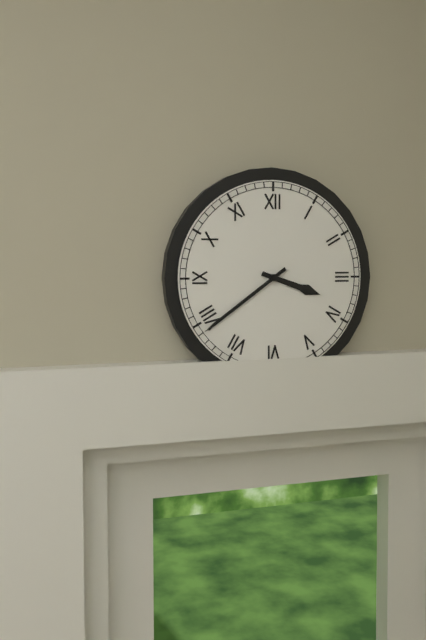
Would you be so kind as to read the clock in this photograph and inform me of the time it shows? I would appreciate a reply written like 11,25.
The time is 3,39
